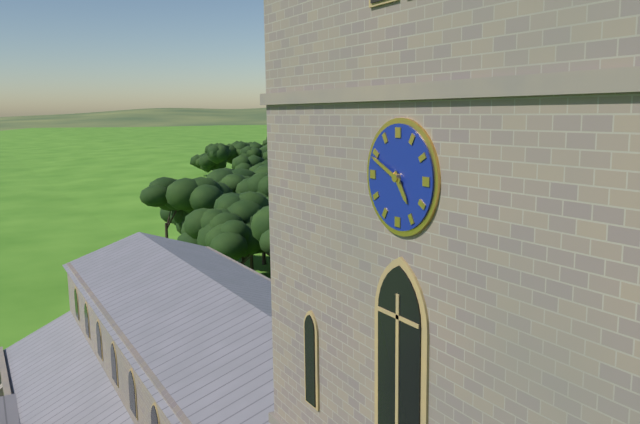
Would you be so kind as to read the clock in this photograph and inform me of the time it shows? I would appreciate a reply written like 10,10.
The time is 4,49
